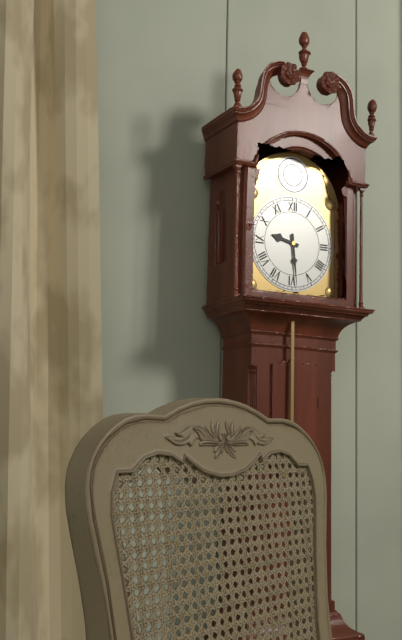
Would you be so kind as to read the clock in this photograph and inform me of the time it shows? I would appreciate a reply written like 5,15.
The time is 9,29
